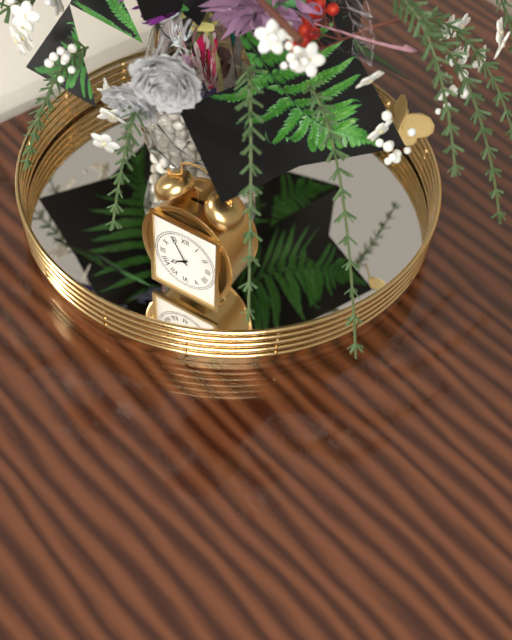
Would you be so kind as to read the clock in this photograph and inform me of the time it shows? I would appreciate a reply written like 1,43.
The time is 7,55
